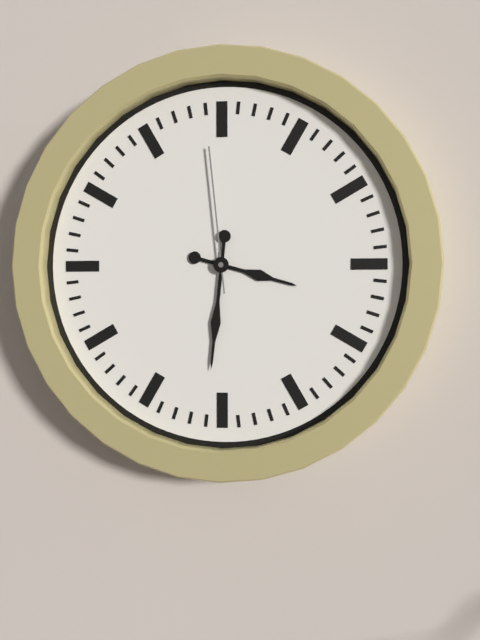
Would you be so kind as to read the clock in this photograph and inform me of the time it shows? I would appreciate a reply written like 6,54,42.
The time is 3,31,59
